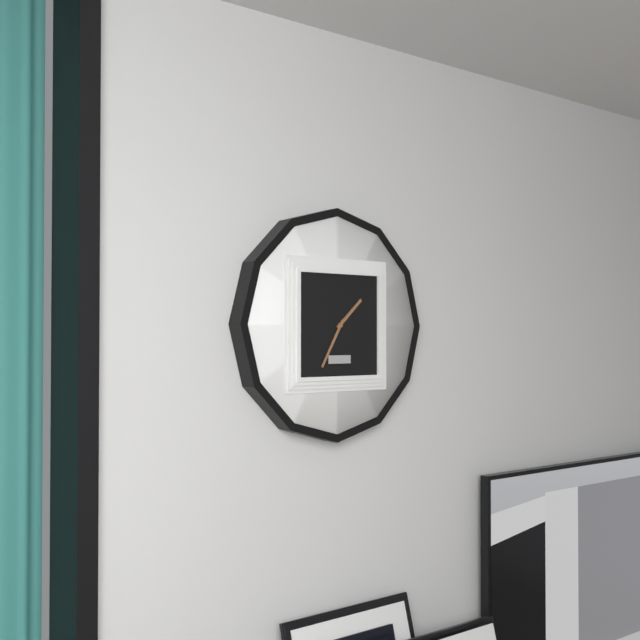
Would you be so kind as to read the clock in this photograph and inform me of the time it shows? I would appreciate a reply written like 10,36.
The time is 1,35
